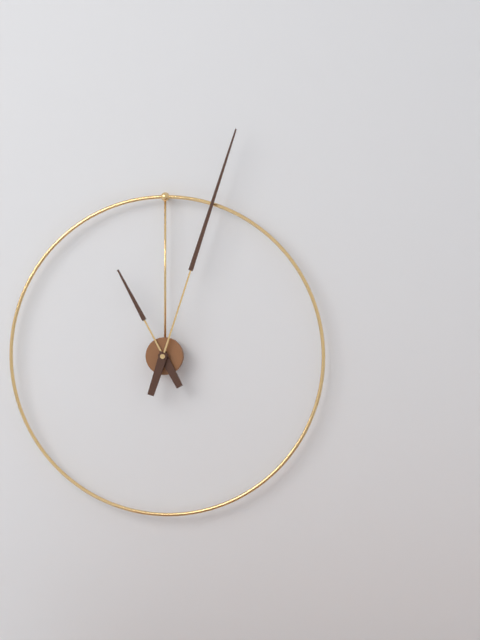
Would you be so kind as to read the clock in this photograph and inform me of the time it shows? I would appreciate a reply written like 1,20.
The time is 11,03
